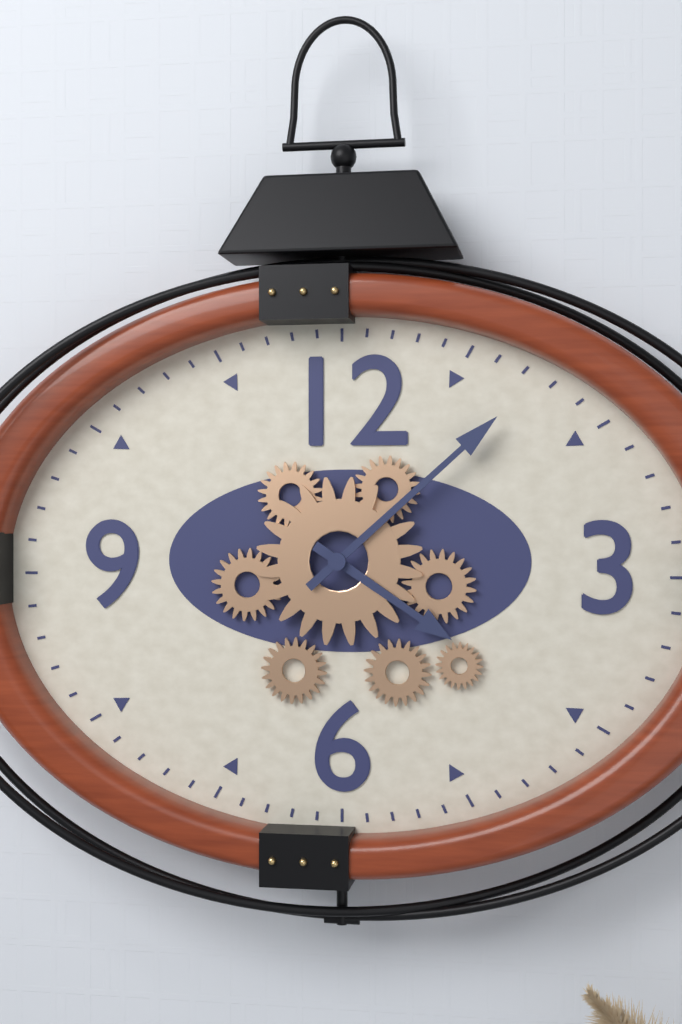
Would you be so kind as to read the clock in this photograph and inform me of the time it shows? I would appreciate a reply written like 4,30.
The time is 4,08
